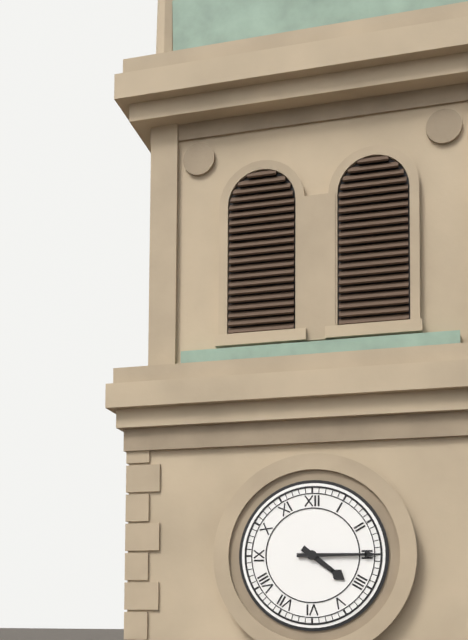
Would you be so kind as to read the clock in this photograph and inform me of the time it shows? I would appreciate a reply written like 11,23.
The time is 4,15
